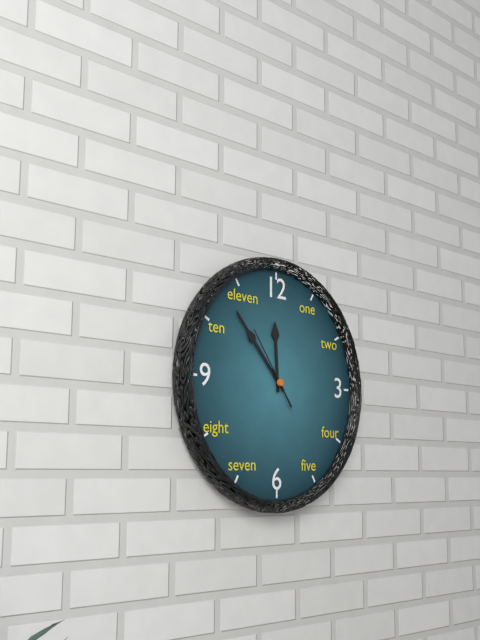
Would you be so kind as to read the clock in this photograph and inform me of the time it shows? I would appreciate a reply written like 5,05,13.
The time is 11,53,54
